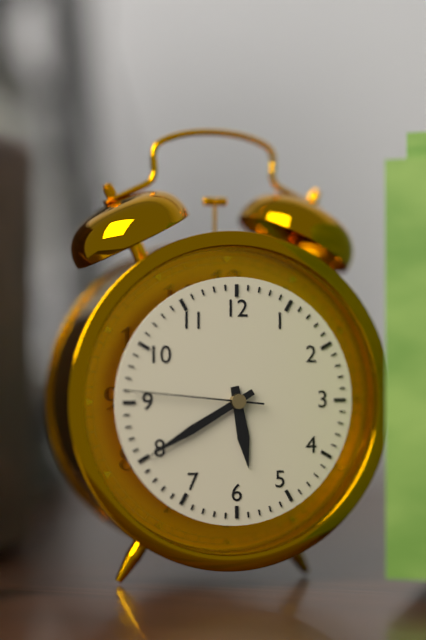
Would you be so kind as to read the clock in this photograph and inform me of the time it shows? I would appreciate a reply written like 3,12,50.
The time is 5,40,46
